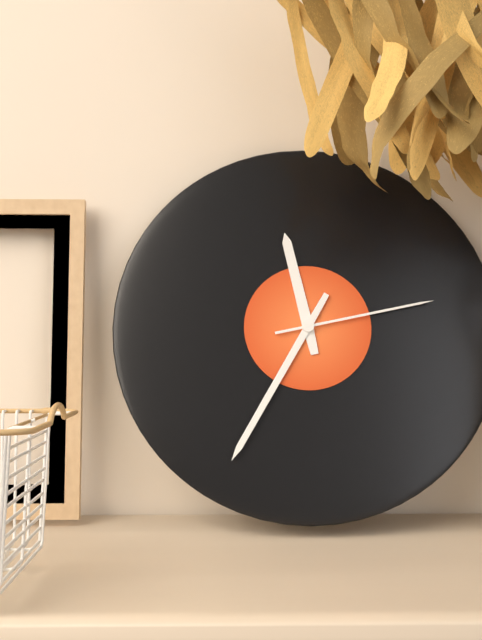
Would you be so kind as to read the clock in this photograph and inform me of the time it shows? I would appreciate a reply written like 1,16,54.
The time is 11,35,13
